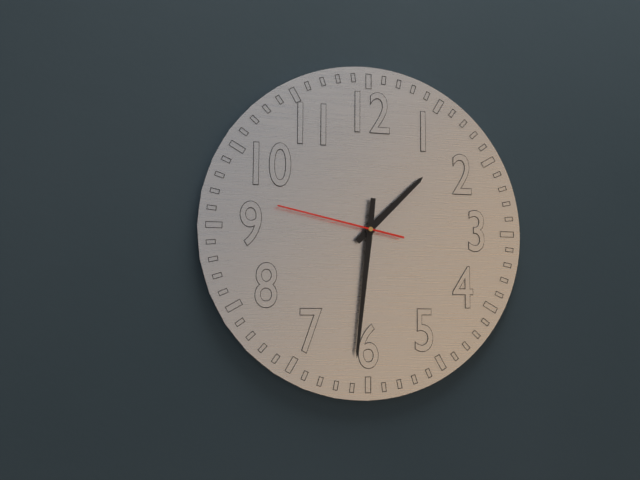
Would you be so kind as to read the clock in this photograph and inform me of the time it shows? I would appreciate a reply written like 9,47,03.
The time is 1,31,47
